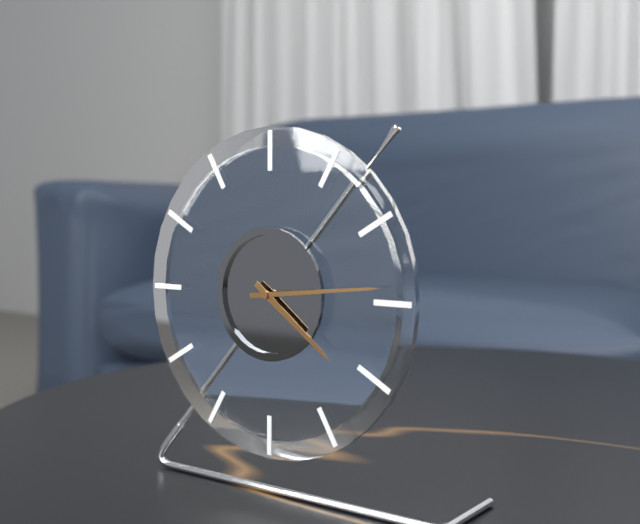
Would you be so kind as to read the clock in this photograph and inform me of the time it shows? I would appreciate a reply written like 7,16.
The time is 4,14
